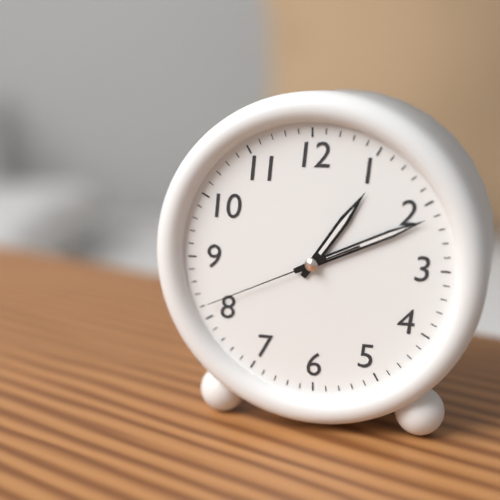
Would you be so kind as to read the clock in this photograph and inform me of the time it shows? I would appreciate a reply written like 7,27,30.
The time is 1,11,41
